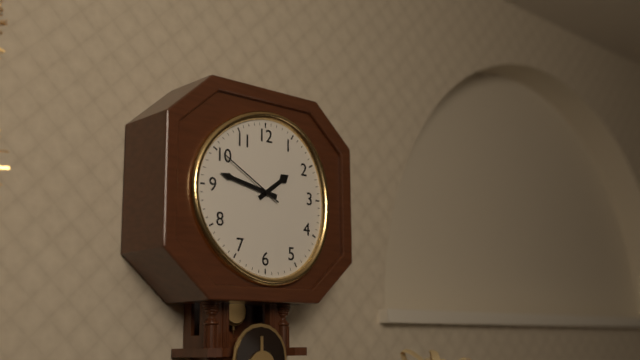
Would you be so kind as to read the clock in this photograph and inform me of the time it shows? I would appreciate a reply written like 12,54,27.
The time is 1,47,50
